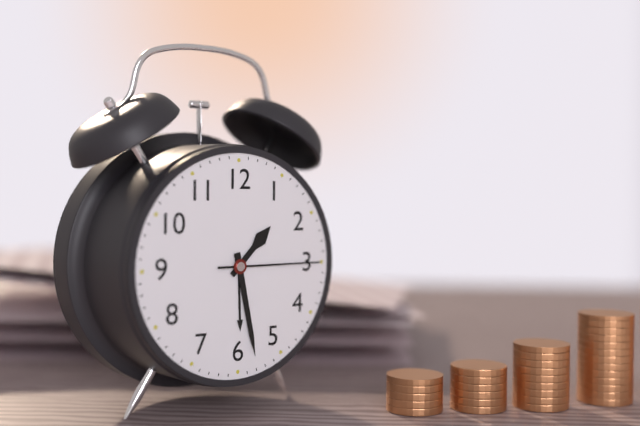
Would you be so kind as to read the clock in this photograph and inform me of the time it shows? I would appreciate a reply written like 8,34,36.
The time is 1,28,15
